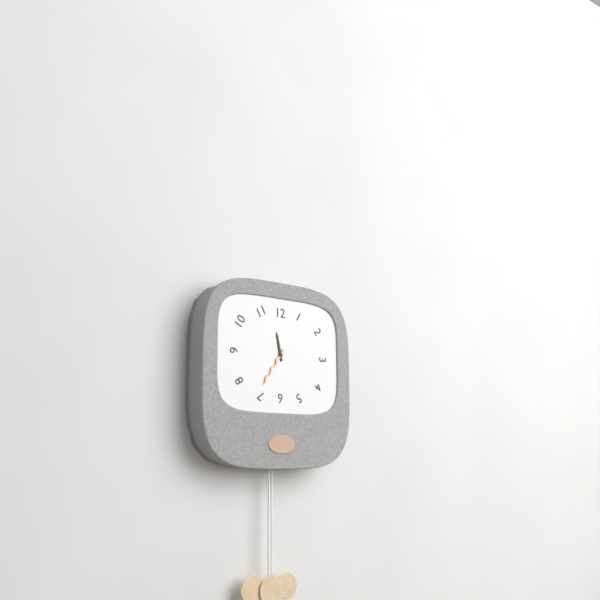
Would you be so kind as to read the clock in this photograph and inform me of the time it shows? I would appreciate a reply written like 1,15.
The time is 11,36
